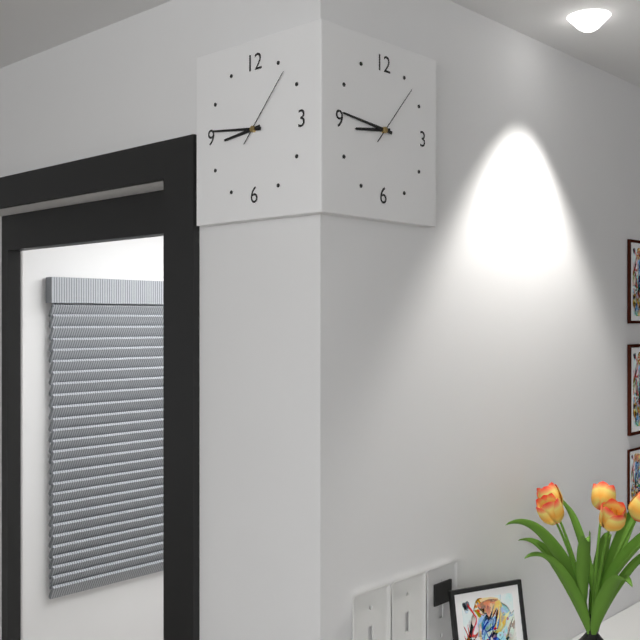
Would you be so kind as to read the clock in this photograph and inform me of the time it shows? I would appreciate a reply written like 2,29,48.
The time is 8,46,07
